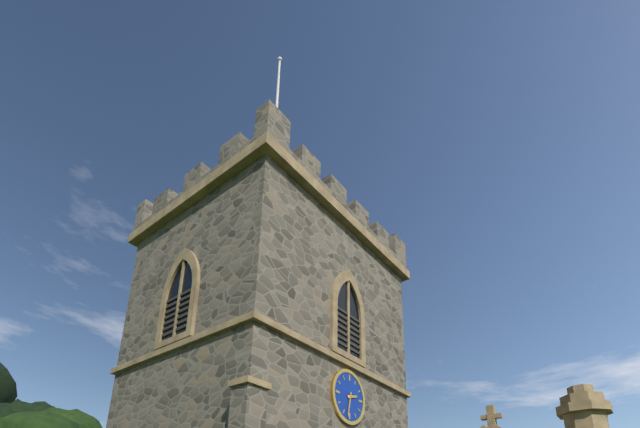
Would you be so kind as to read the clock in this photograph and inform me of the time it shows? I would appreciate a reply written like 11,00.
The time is 2,32
